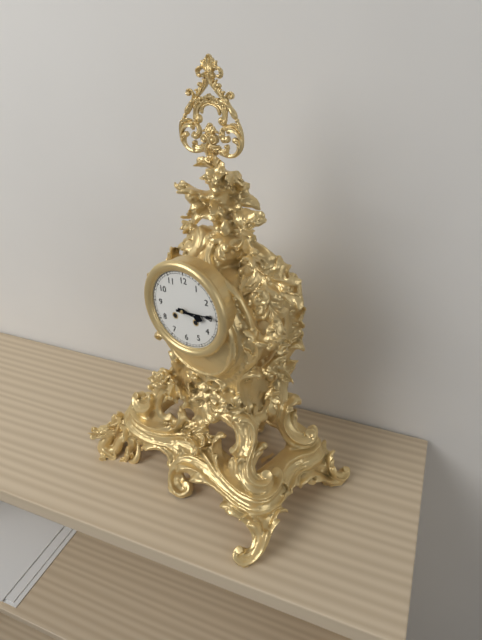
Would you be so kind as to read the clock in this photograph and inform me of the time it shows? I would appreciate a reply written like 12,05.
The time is 3,14
